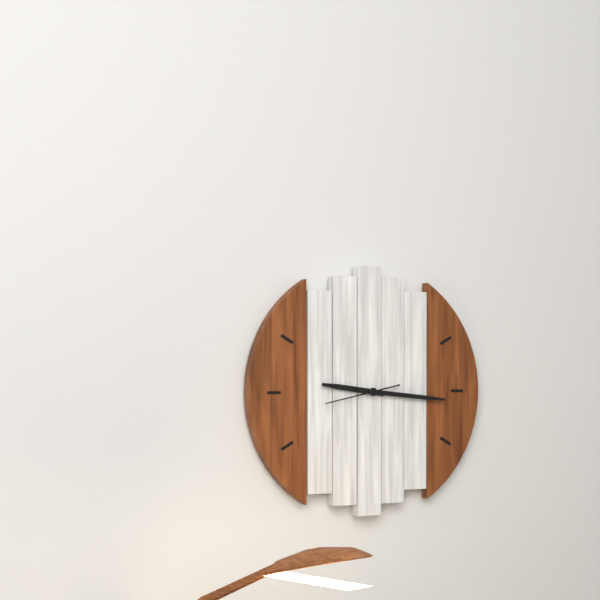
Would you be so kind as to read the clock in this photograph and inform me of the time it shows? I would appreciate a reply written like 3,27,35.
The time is 9,16,43
